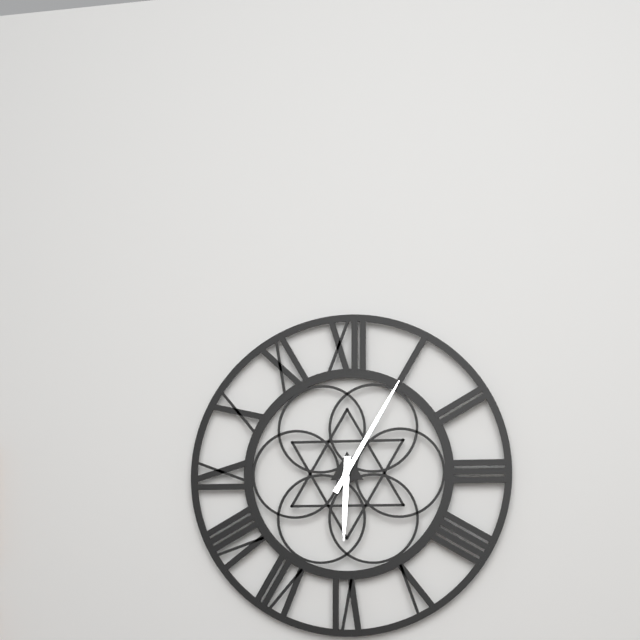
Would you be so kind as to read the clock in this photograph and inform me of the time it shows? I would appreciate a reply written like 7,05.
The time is 6,05
